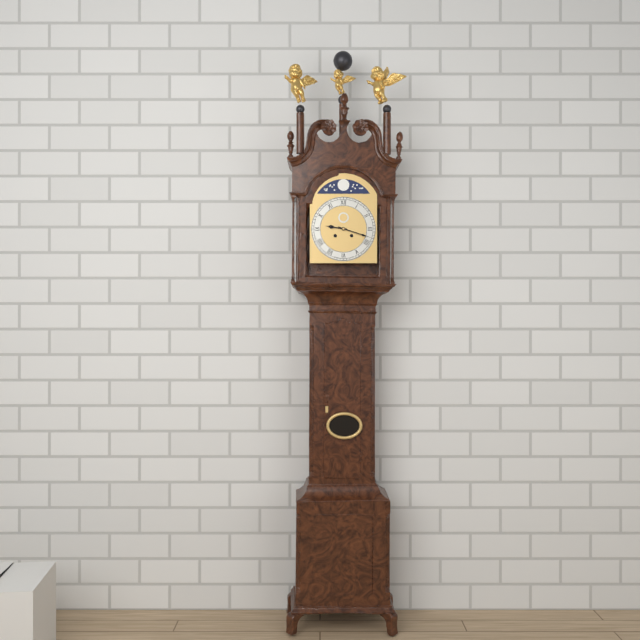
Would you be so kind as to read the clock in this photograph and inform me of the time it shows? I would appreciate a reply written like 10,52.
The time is 9,18
